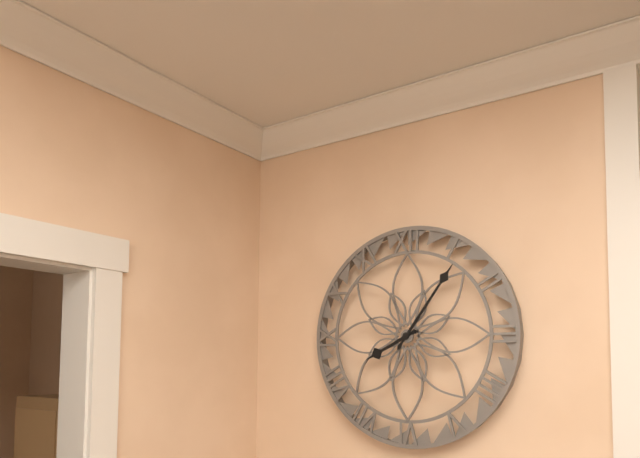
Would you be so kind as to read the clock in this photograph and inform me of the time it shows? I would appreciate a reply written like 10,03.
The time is 8,06
